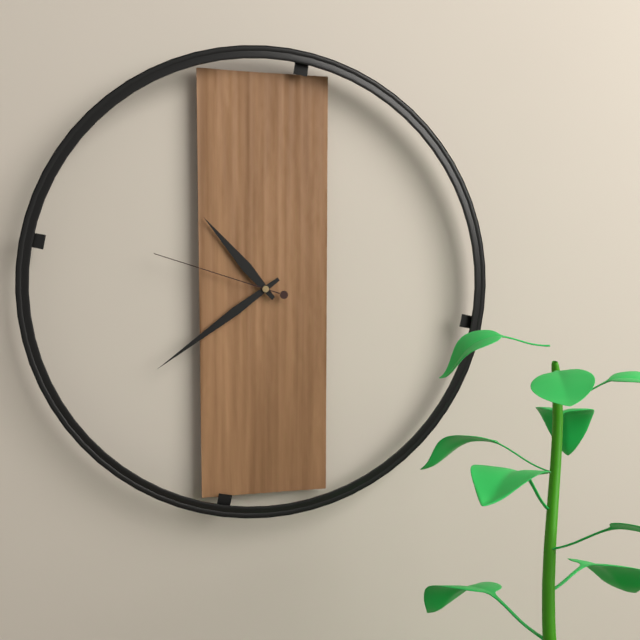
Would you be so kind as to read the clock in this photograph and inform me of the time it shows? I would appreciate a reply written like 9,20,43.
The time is 10,39,48
